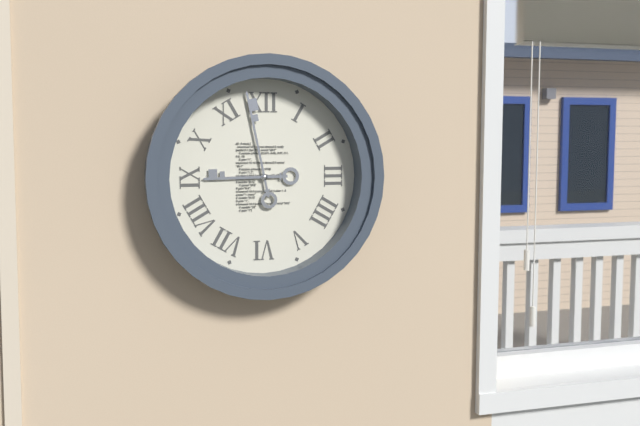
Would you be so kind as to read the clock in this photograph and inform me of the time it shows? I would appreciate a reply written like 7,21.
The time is 8,58
